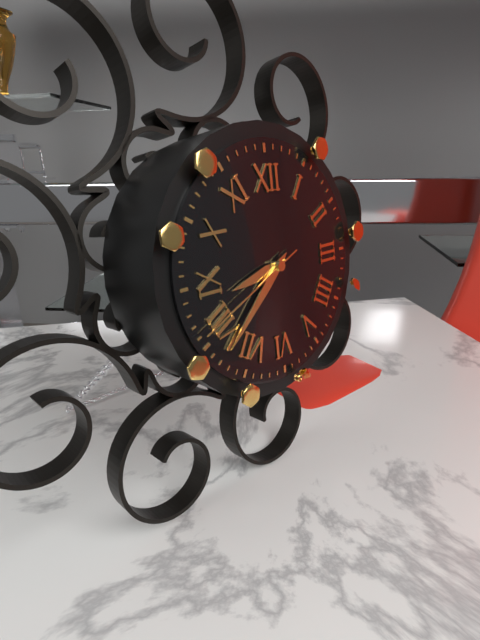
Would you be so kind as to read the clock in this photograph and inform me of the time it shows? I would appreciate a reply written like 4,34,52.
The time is 8,38,41
